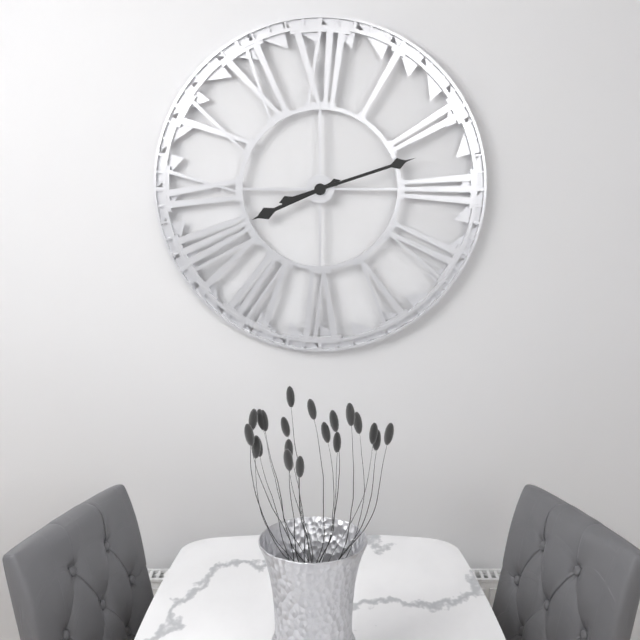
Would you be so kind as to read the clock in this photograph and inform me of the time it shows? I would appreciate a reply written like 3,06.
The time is 8,12
